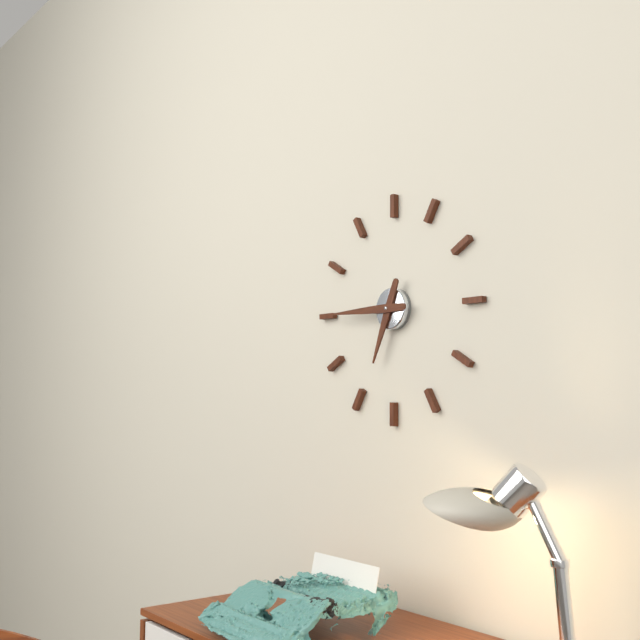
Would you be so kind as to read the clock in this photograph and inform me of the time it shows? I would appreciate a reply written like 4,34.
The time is 6,45
